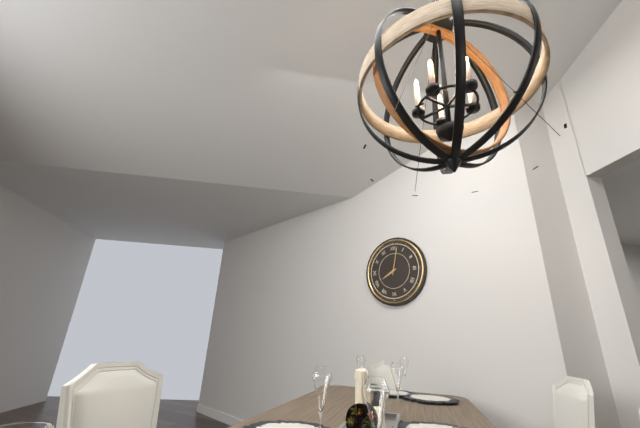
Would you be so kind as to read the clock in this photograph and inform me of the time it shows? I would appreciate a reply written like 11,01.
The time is 8,02
